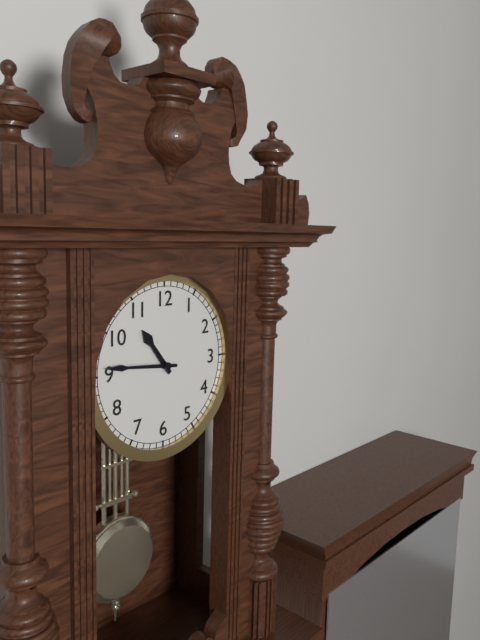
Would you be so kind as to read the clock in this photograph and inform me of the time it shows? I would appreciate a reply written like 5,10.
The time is 10,46
